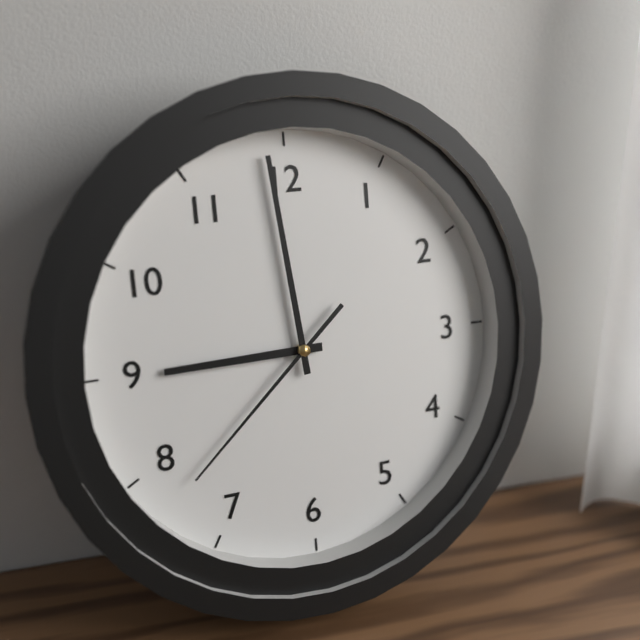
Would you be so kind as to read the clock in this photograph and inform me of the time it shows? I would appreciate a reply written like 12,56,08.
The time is 8,59,38
